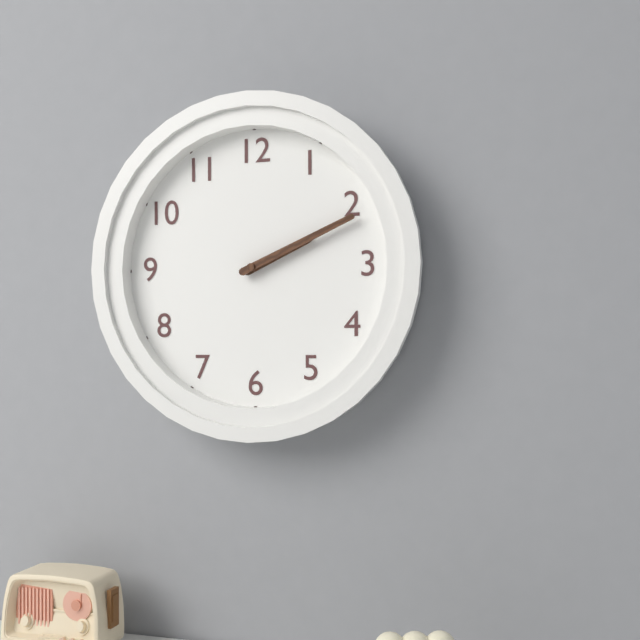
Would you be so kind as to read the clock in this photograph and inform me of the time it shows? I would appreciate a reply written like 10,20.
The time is 2,11
